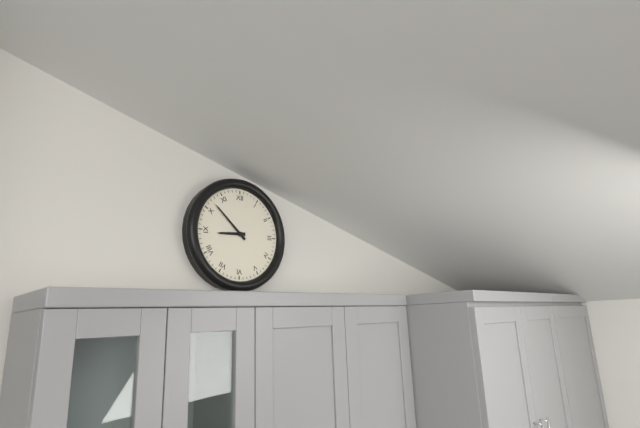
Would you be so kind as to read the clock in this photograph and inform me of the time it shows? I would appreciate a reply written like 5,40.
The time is 8,52
